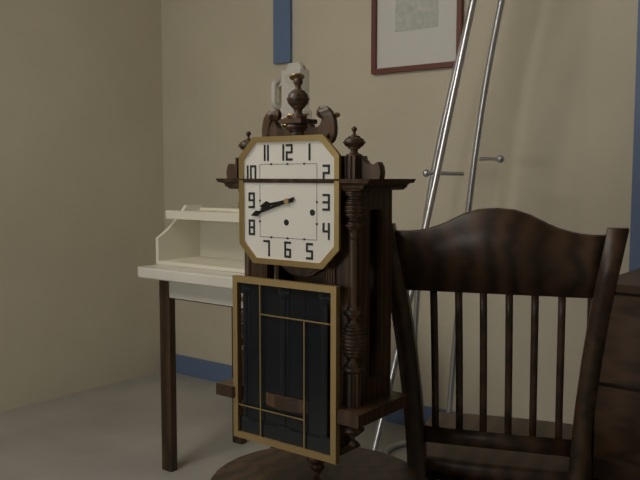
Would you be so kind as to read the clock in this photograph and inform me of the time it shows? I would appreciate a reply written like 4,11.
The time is 8,42
